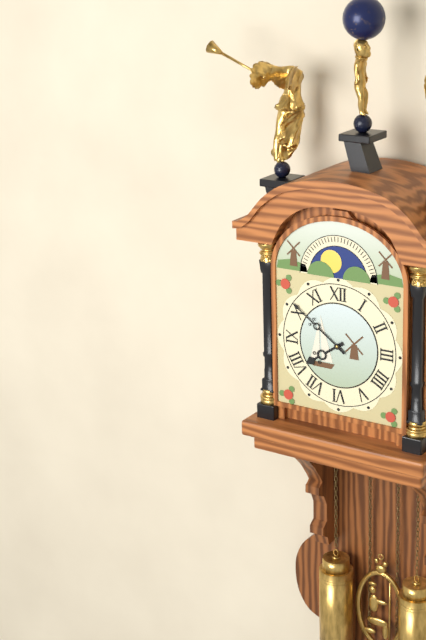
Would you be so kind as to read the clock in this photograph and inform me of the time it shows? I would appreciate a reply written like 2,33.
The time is 7,51
